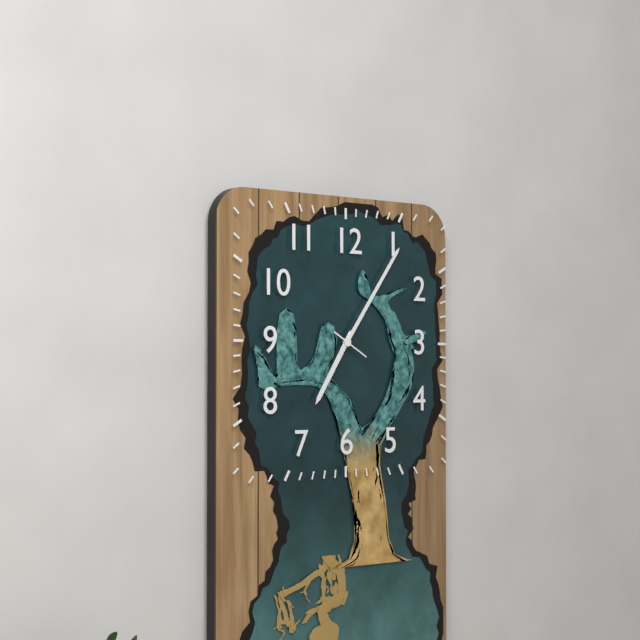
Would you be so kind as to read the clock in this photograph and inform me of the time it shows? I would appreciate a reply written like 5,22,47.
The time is 7,06,20
